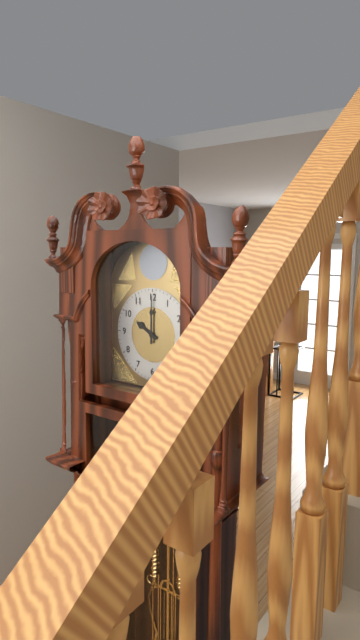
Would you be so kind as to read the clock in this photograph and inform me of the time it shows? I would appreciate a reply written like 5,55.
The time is 10,00
